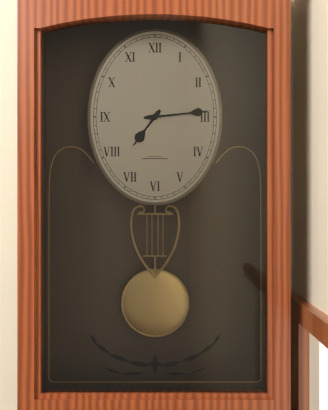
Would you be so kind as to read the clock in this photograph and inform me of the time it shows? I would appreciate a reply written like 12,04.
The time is 7,14
